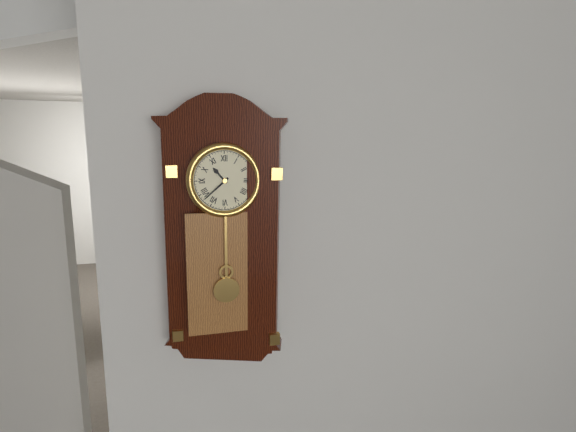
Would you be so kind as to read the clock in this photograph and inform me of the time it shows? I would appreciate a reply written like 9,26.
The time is 10,38
